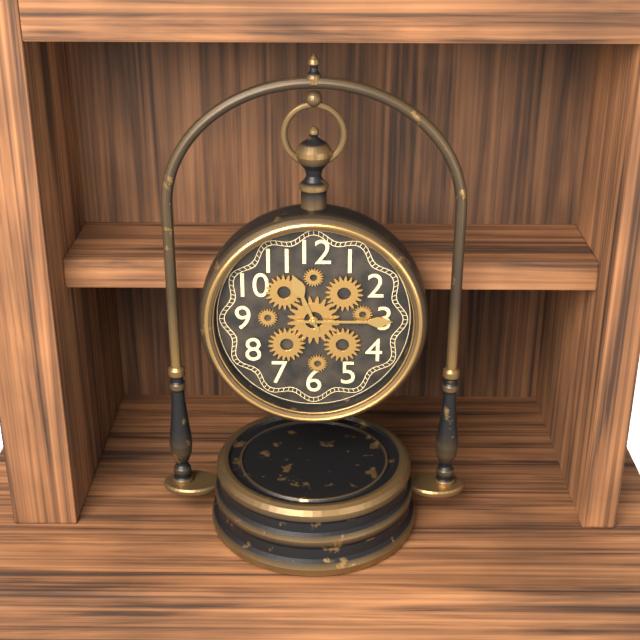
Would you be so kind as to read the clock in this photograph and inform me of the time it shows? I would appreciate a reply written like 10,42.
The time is 11,15
